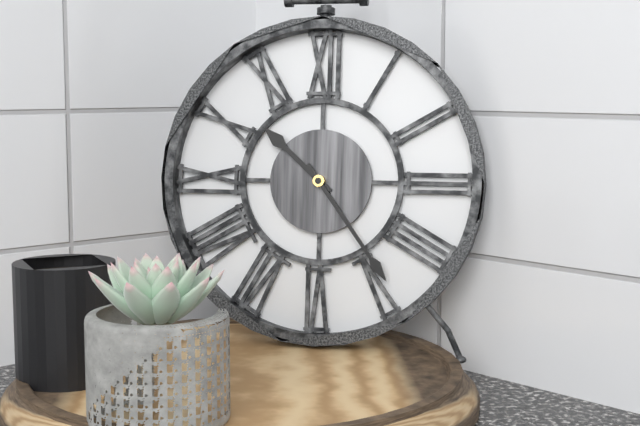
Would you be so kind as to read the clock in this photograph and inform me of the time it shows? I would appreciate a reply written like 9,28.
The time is 10,24
